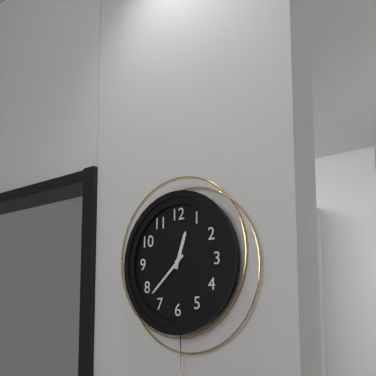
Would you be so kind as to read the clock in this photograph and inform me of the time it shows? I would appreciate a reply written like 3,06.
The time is 12,38
